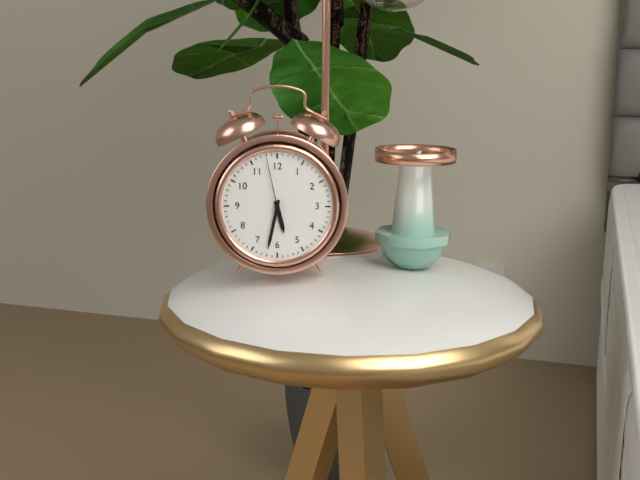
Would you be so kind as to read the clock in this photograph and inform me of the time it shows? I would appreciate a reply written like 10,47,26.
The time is 5,32,58
